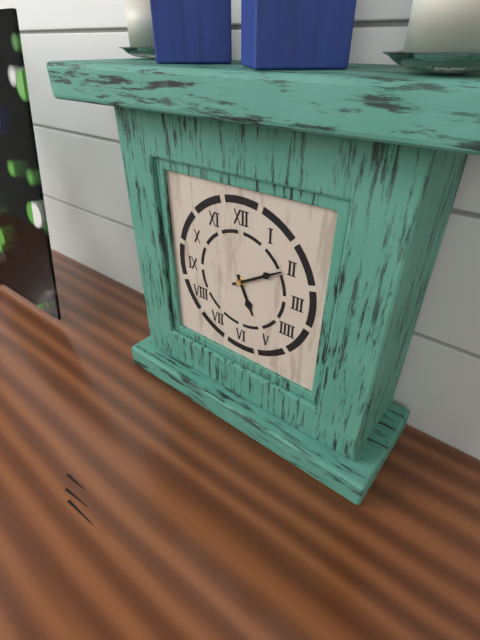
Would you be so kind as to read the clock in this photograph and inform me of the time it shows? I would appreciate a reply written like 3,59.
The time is 5,10
